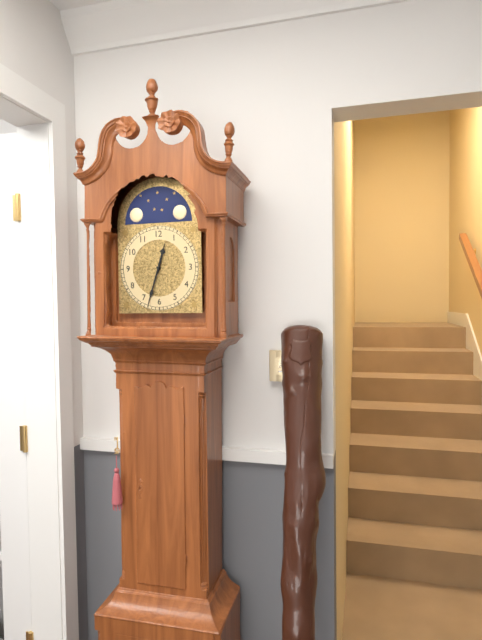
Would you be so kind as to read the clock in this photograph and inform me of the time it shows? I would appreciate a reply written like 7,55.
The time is 12,33
